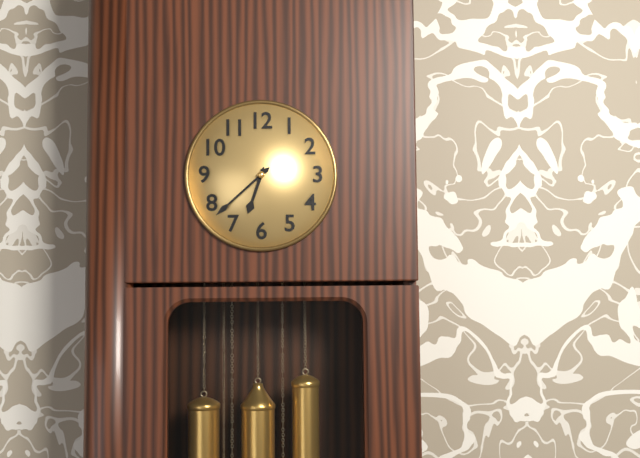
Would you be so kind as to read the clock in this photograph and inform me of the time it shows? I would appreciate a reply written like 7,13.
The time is 6,38
